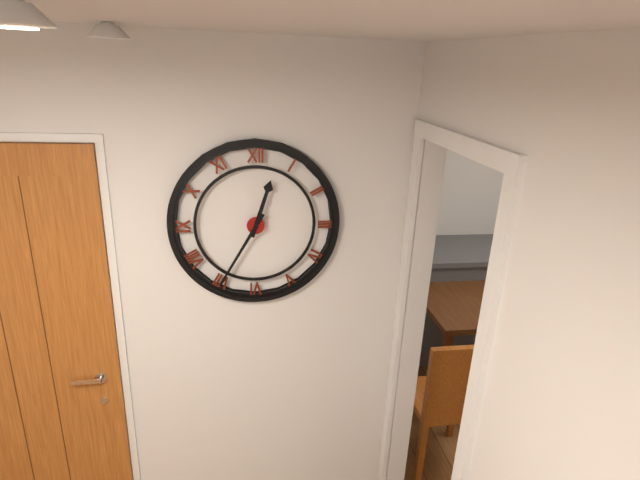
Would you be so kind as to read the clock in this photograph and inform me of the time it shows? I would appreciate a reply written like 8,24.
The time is 12,35
